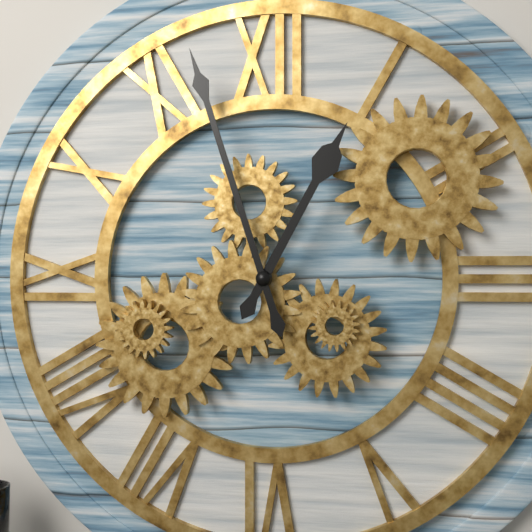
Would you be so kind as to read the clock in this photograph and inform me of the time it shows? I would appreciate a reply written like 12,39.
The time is 12,57
